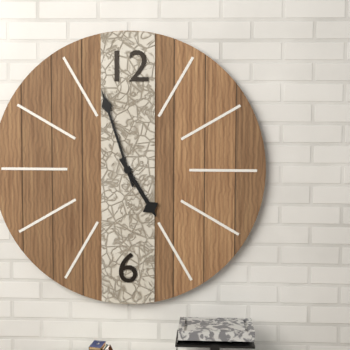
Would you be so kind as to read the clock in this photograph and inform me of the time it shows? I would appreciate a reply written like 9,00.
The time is 4,57
